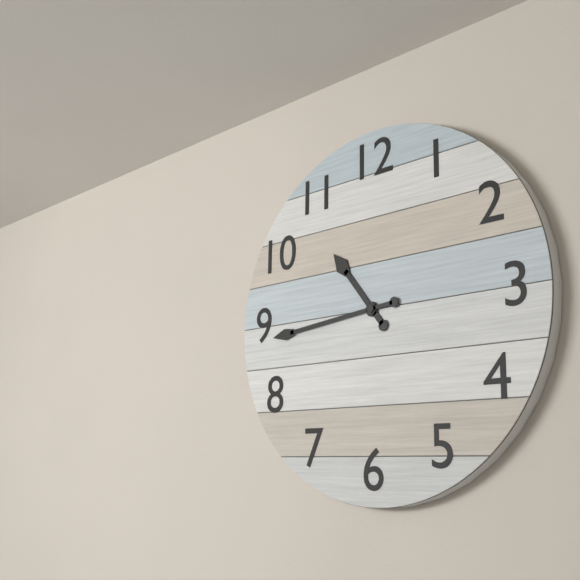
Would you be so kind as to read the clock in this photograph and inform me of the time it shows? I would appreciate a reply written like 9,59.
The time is 10,44
